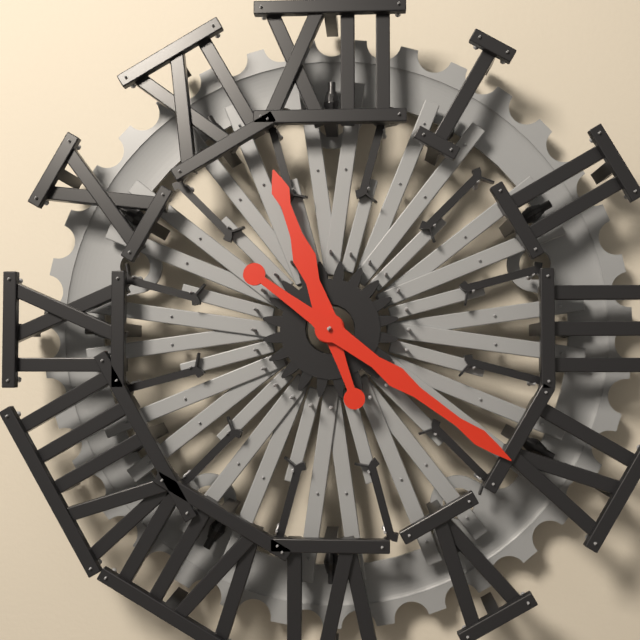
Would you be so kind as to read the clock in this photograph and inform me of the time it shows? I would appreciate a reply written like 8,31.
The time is 11,21
